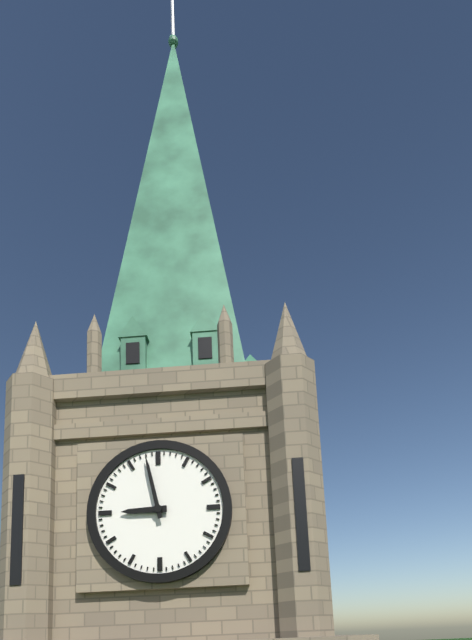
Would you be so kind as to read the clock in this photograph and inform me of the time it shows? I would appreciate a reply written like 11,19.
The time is 8,58
